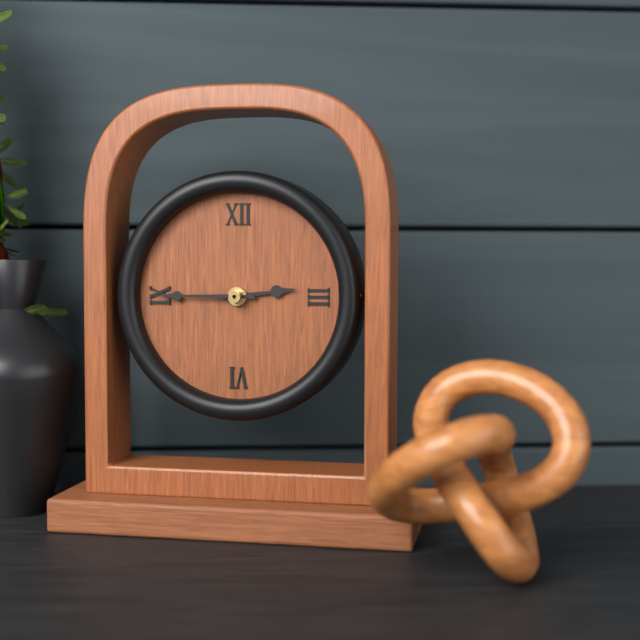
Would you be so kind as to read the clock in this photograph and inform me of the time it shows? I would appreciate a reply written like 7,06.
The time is 2,45
